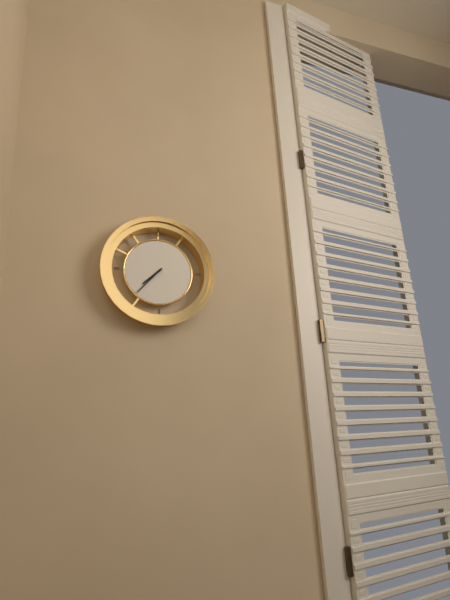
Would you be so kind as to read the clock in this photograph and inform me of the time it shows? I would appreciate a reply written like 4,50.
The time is 7,37
